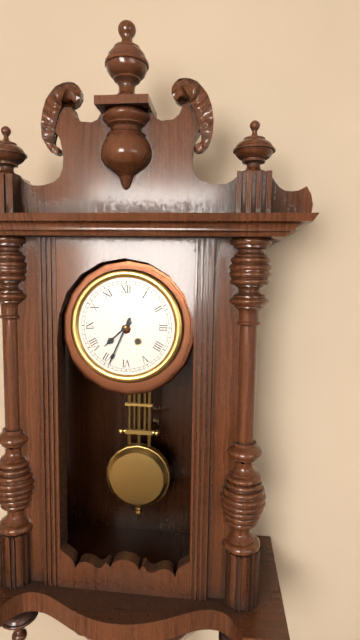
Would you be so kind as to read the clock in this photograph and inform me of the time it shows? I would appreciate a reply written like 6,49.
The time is 7,34
